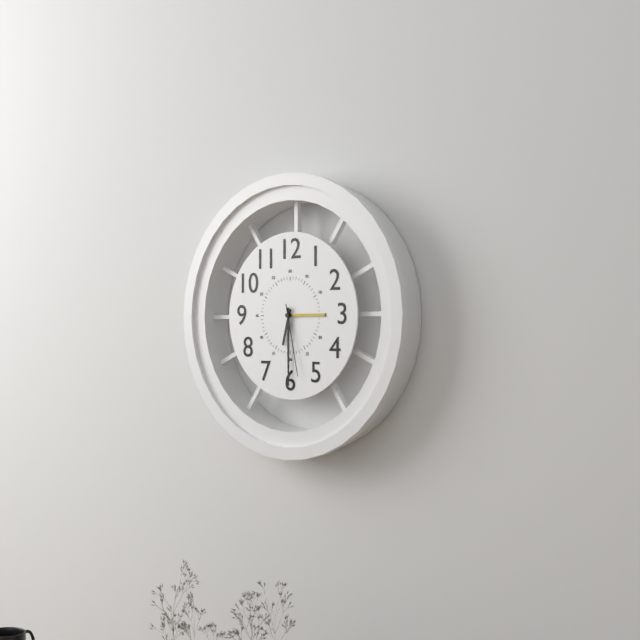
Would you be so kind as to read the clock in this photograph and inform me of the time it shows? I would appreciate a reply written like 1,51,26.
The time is 6,30,28
